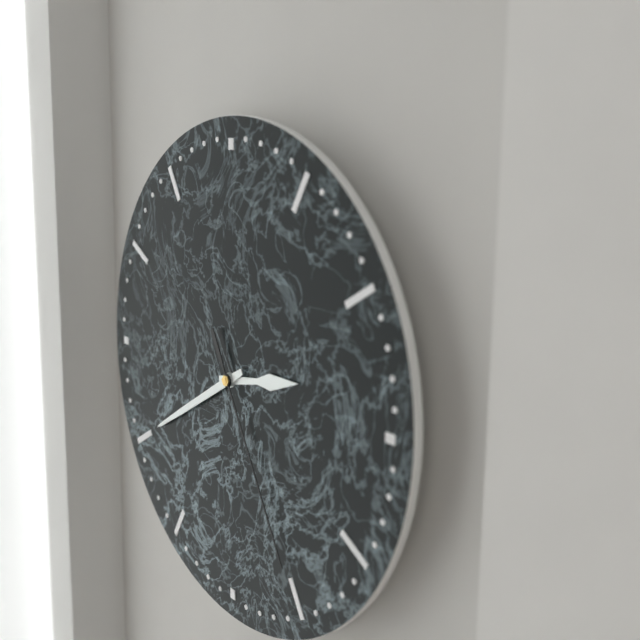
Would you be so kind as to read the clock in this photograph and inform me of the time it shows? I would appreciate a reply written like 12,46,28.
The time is 2,40,25
